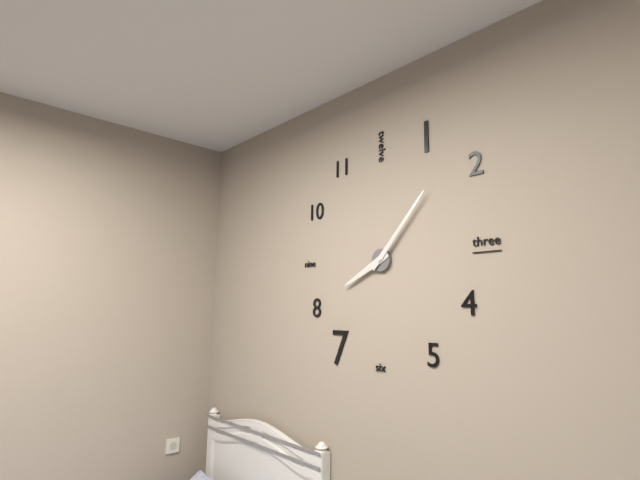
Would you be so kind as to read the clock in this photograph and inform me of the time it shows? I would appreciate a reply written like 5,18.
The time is 8,07
